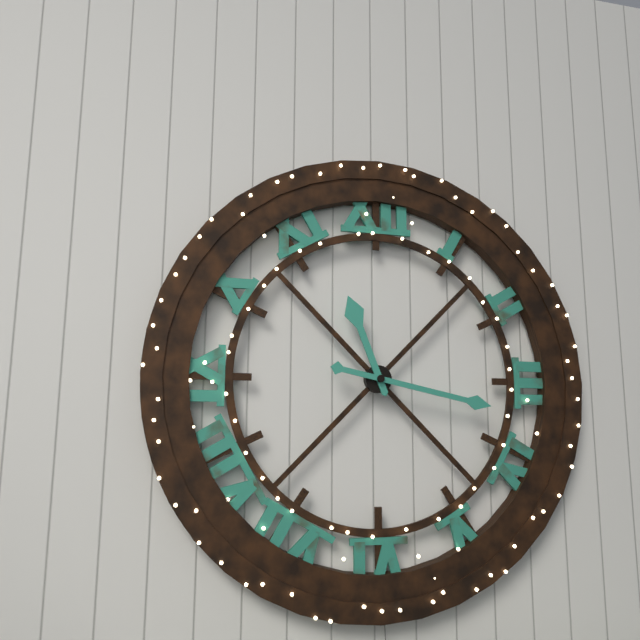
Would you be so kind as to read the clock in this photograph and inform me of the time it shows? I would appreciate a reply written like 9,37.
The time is 11,17
